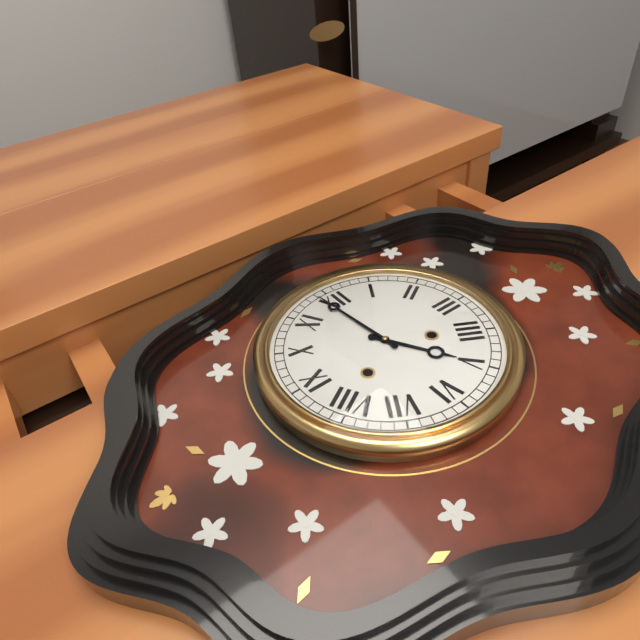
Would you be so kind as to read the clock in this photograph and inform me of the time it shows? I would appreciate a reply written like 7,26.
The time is 4,59
